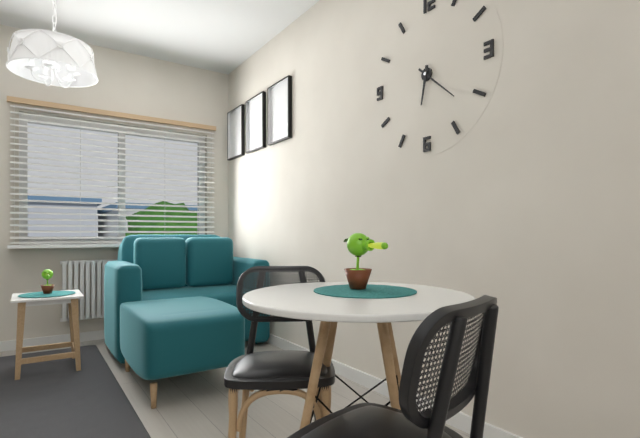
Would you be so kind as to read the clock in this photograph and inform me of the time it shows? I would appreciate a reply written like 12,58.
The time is 6,22
